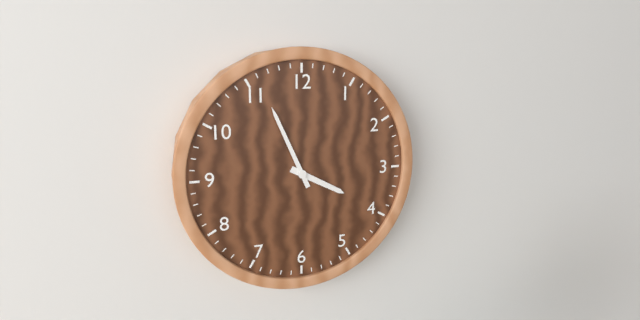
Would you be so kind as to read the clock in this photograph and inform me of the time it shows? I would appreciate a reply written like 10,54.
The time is 3,56
